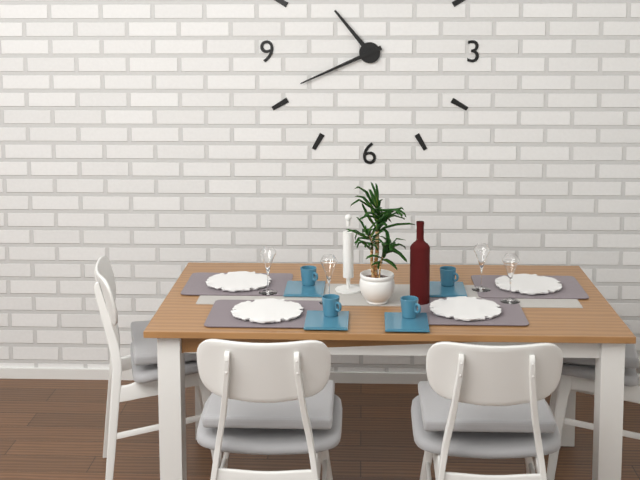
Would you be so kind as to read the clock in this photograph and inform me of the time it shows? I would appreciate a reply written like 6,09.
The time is 10,41
